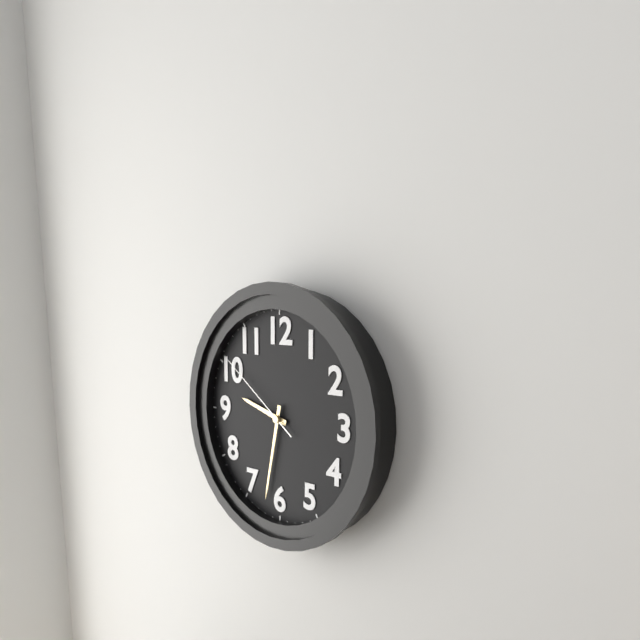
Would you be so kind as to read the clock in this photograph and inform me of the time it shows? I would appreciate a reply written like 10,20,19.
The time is 9,32,51
